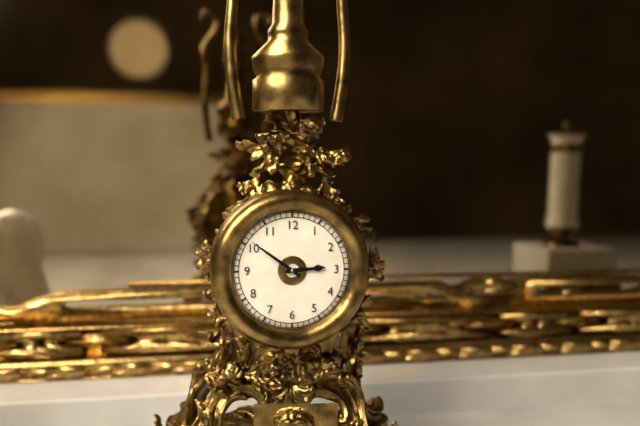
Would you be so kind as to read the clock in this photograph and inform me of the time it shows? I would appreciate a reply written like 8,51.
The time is 2,51
